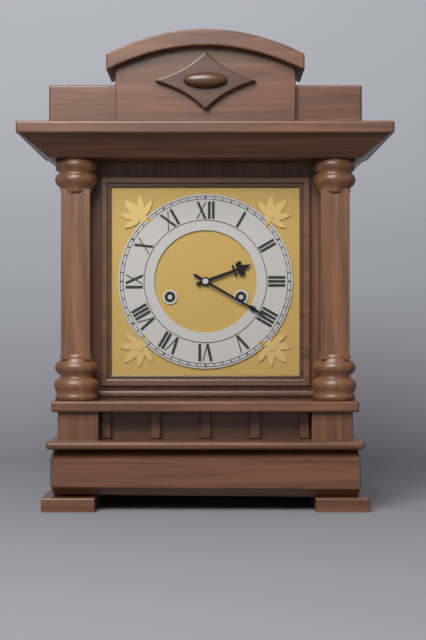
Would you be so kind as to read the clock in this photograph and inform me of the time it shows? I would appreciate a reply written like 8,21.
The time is 2,20
